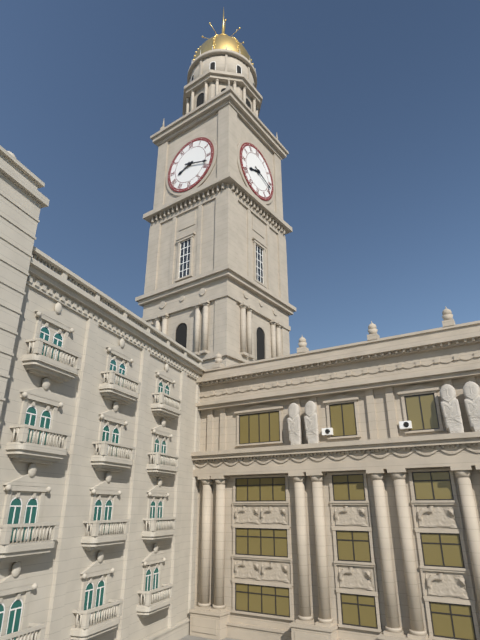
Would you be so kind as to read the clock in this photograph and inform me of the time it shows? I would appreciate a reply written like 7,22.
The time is 8,18
